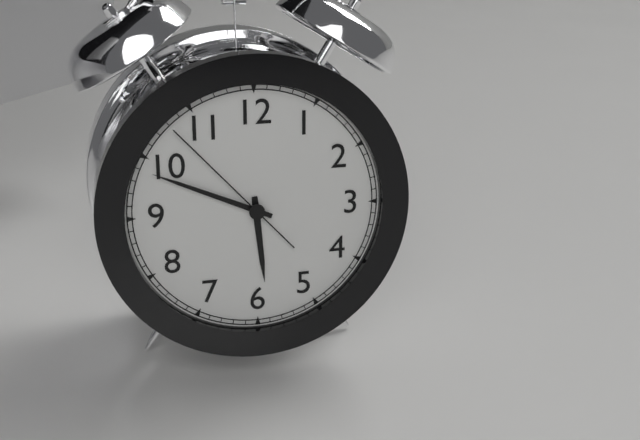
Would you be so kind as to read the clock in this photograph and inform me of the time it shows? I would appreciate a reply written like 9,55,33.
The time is 5,49,53
